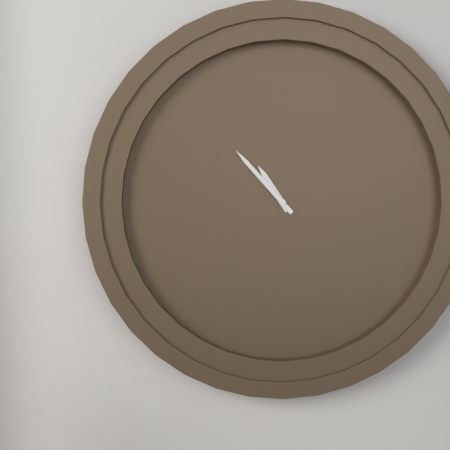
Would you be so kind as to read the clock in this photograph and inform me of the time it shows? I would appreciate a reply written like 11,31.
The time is 10,53
